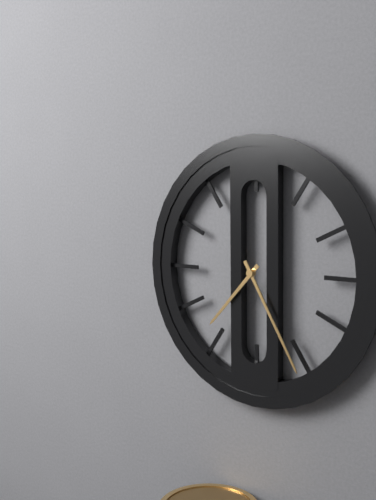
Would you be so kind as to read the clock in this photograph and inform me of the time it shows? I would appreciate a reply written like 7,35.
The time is 7,25
